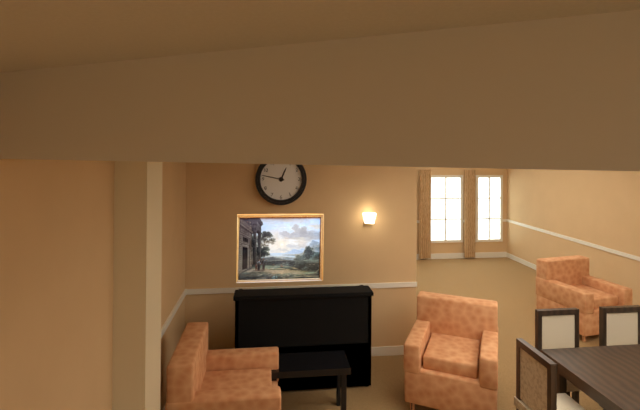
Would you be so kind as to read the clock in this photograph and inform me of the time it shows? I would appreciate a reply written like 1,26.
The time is 12,47
